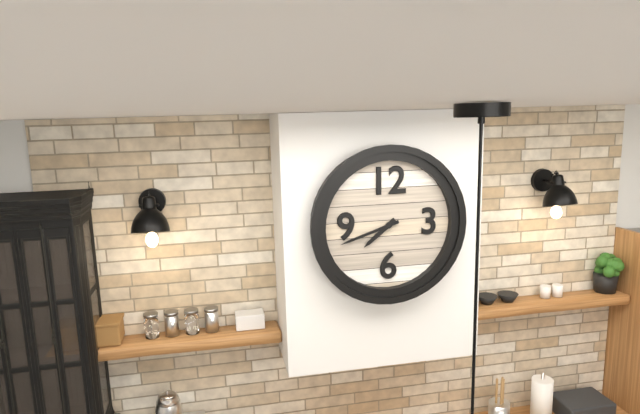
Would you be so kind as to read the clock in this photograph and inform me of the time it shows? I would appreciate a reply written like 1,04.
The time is 7,42
